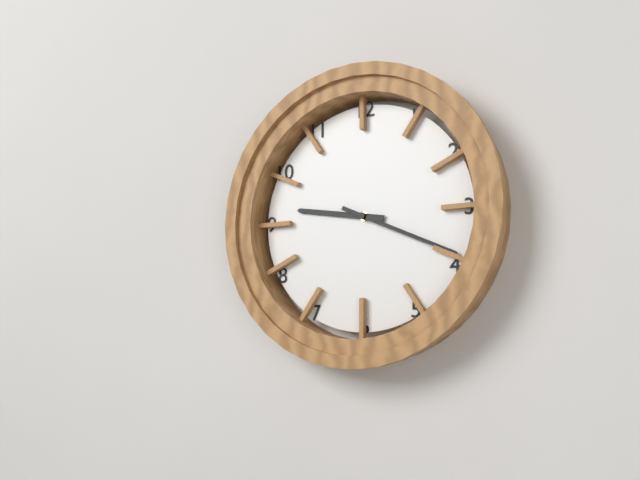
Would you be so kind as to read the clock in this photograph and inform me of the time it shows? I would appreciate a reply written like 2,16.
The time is 9,19
